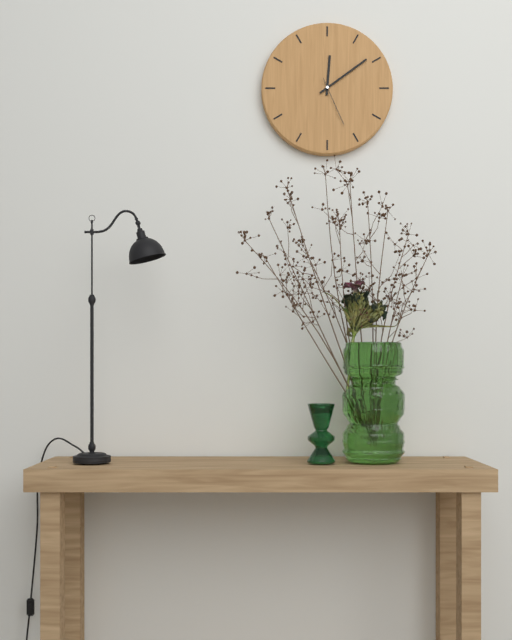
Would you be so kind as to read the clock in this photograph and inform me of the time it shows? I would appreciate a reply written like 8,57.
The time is 12,09
